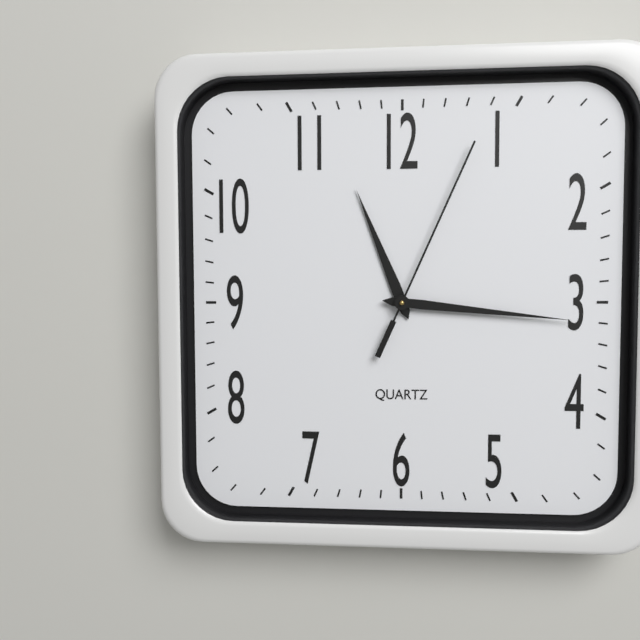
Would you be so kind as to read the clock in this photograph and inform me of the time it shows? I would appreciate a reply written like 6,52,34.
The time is 11,16,04
